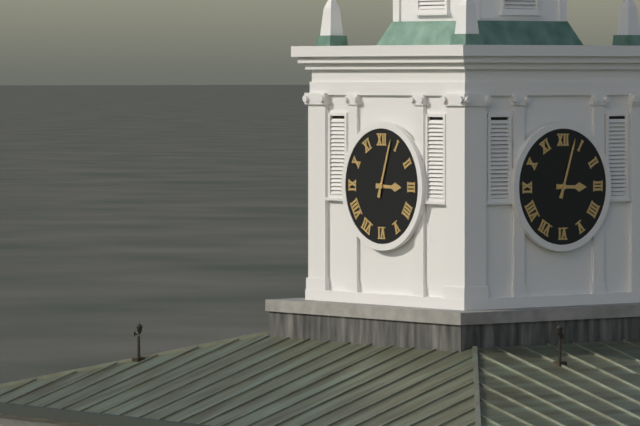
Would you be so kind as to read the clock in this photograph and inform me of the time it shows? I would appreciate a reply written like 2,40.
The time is 3,03
